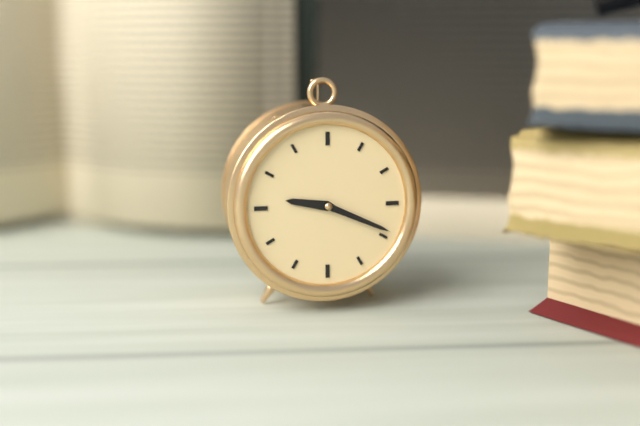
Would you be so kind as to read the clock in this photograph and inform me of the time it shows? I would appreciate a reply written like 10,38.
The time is 9,19
